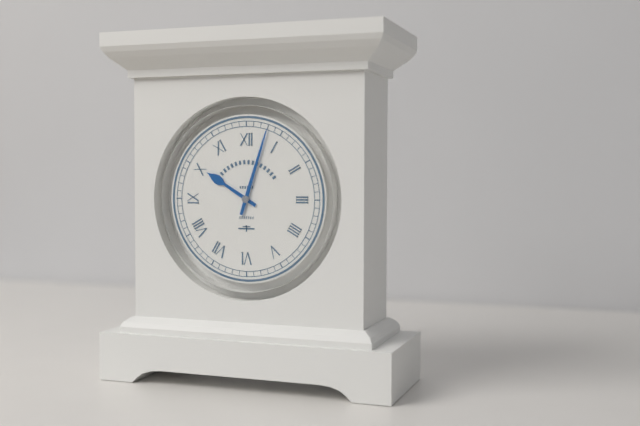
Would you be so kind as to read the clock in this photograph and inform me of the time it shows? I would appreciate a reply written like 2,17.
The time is 10,03
